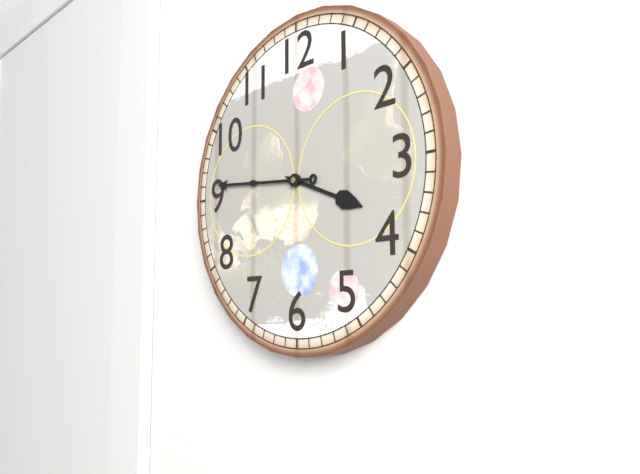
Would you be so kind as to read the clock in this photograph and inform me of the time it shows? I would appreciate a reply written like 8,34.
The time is 3,46
